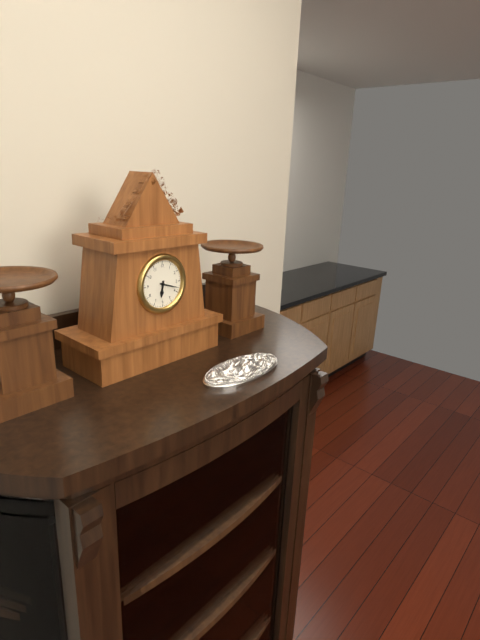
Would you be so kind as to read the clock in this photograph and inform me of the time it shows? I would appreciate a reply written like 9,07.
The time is 6,18
